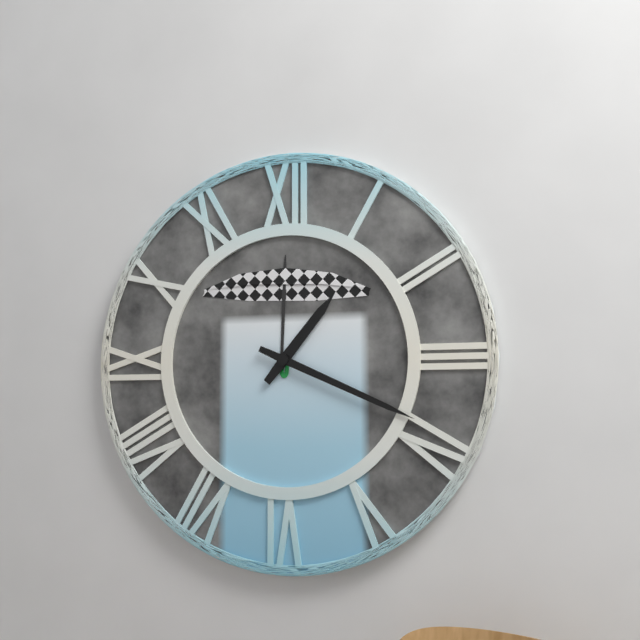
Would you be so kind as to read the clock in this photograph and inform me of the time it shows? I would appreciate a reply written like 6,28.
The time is 1,19
